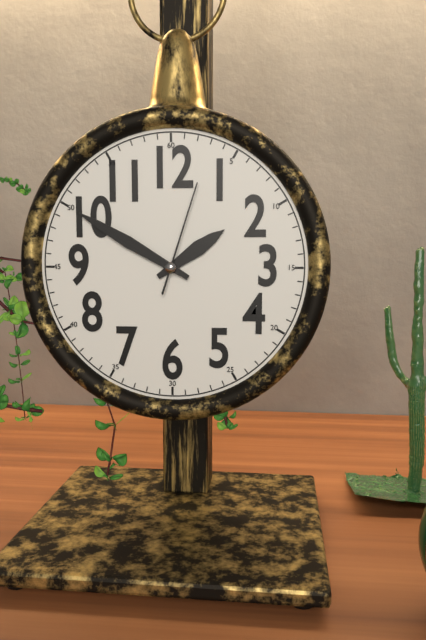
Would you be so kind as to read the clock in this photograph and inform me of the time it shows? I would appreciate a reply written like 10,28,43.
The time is 1,50,03
